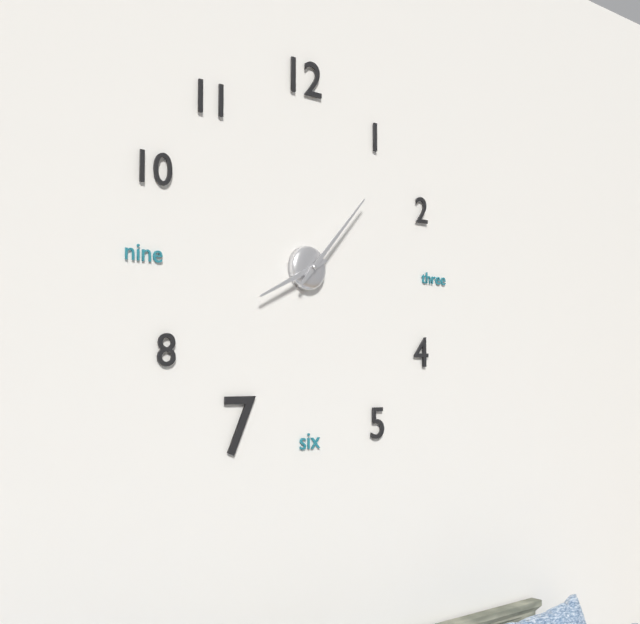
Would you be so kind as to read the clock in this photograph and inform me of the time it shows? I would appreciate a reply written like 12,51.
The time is 8,07
